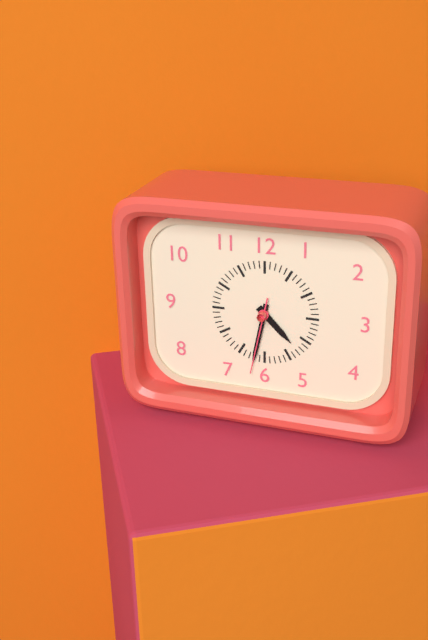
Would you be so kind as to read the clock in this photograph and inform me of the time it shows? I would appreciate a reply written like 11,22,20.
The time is 4,32,32
